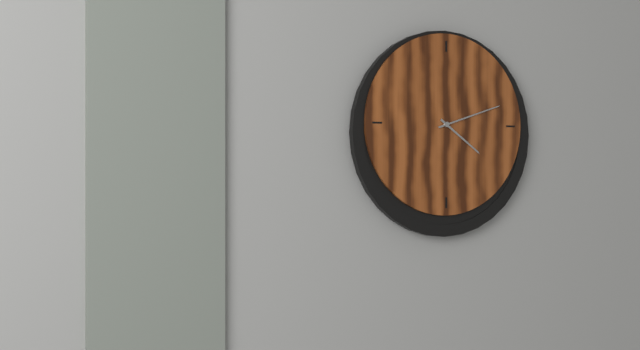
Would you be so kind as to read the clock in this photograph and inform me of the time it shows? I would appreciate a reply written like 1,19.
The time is 4,12
